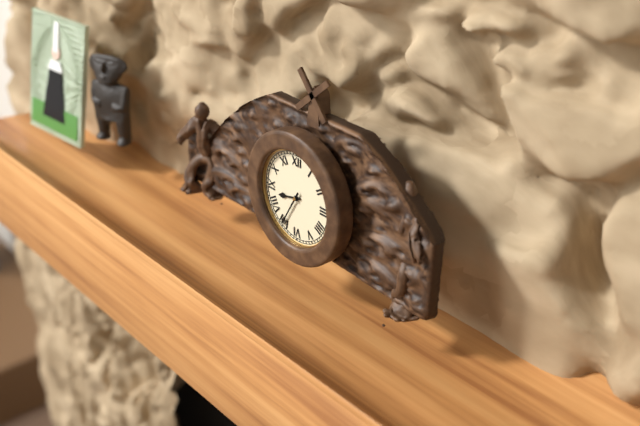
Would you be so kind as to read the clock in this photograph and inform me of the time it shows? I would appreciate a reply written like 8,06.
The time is 8,35
